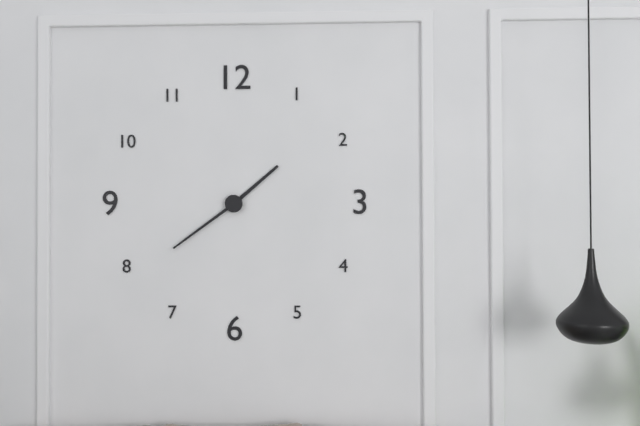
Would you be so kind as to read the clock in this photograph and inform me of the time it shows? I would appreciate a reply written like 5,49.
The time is 1,39
